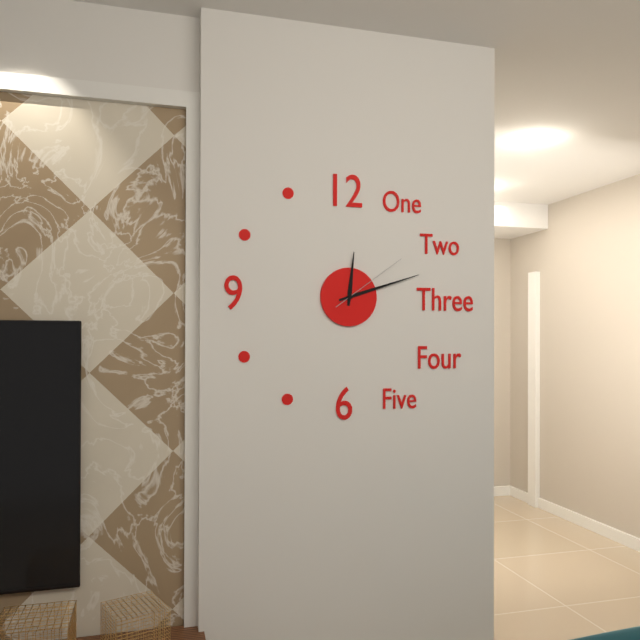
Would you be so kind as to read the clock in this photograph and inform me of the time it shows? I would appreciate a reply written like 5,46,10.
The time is 12,12,09
